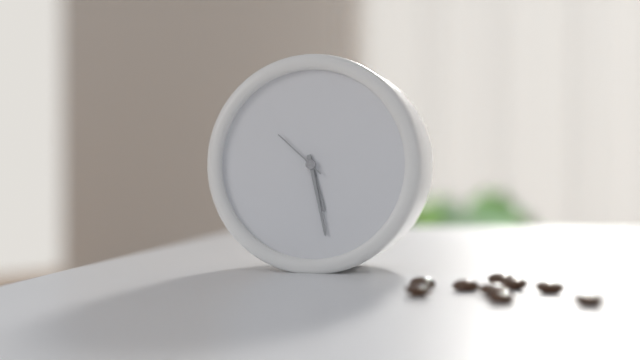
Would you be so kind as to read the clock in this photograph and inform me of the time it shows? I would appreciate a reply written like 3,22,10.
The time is 5,28,52
